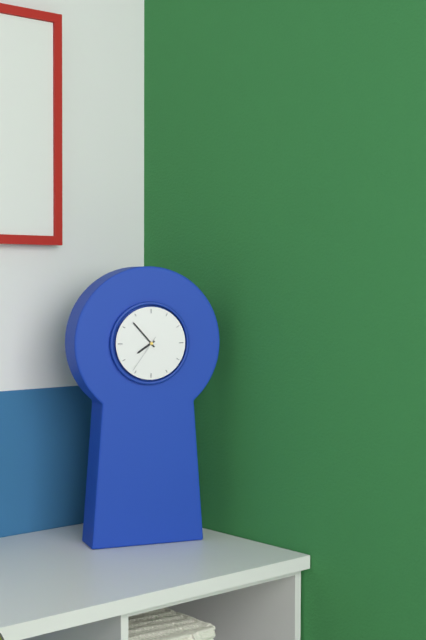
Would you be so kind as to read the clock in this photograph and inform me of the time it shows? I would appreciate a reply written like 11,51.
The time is 7,53
